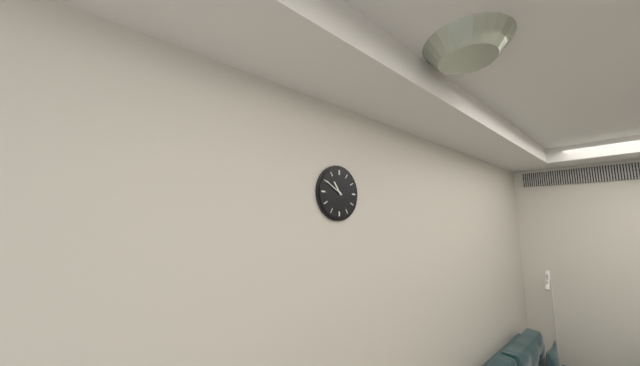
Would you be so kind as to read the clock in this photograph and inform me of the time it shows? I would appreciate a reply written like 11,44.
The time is 10,50
